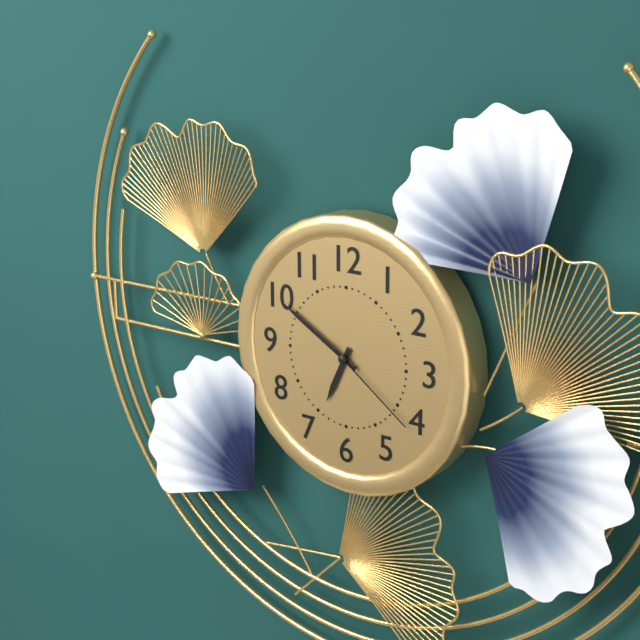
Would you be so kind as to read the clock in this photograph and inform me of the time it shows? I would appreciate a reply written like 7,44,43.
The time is 6,50,21
